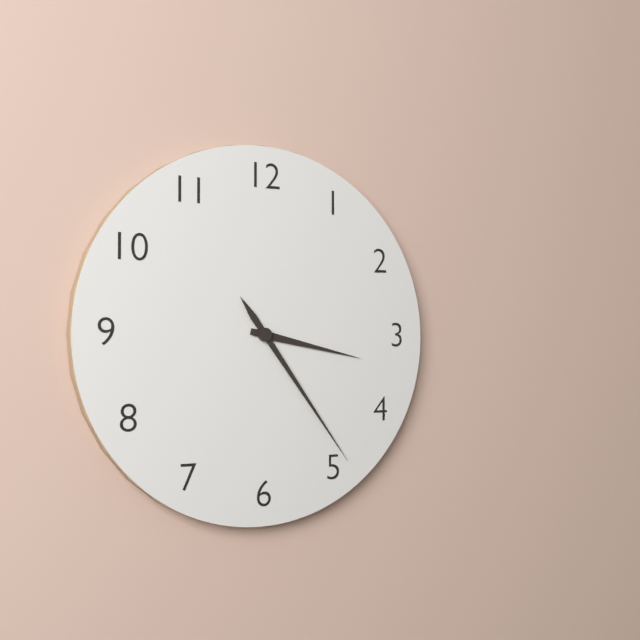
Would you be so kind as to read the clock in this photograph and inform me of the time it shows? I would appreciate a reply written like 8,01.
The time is 3,24
